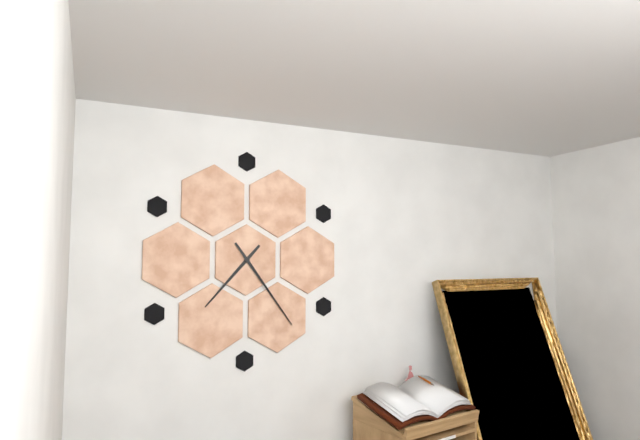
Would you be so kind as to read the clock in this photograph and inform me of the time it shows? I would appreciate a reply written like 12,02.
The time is 7,24
